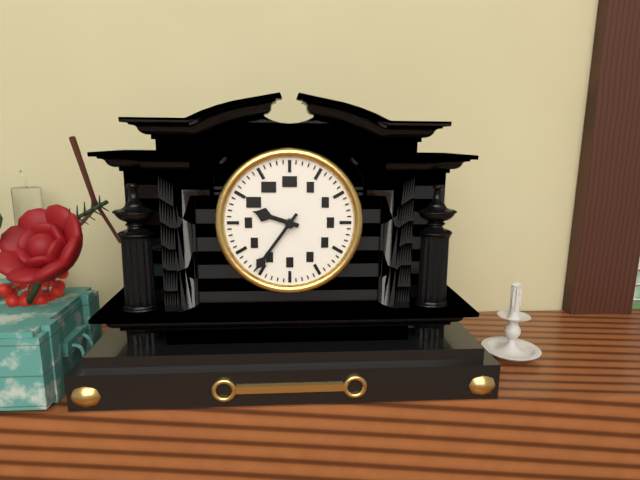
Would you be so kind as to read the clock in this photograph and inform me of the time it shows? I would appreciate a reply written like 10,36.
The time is 9,36
